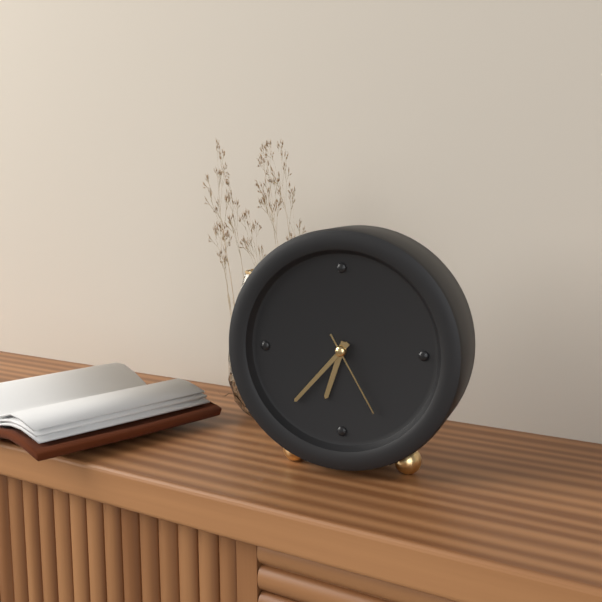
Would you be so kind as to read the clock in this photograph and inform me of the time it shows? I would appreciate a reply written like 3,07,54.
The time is 6,37,25
